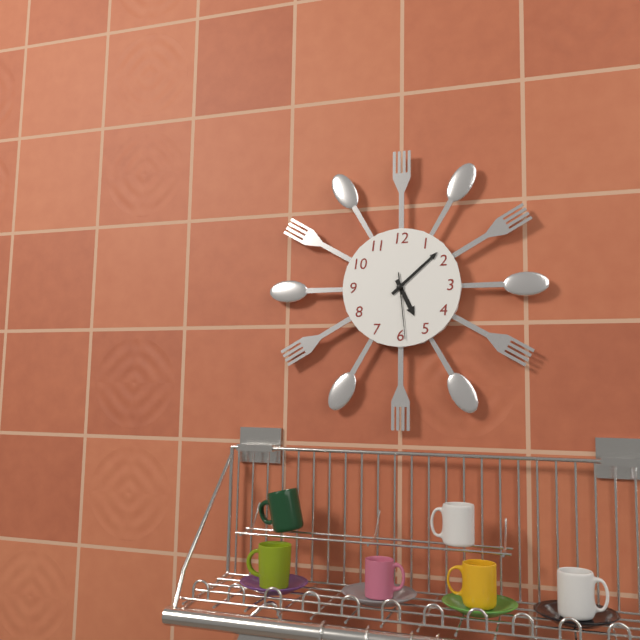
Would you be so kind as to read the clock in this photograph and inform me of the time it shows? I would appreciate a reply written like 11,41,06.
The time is 5,08,29
